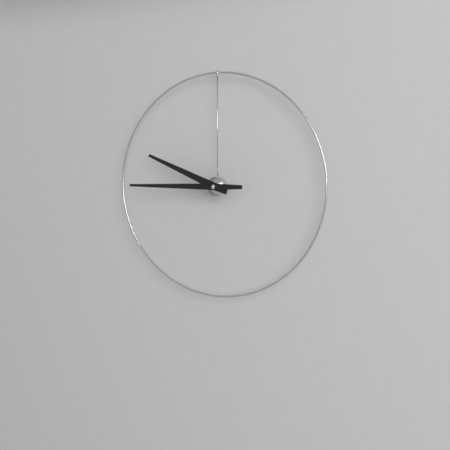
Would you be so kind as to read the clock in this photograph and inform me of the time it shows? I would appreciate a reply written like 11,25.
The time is 9,45
